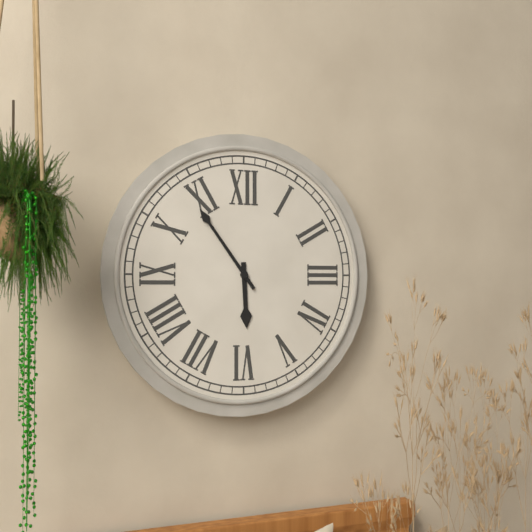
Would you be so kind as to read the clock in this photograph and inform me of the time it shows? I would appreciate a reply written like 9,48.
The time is 5,54
